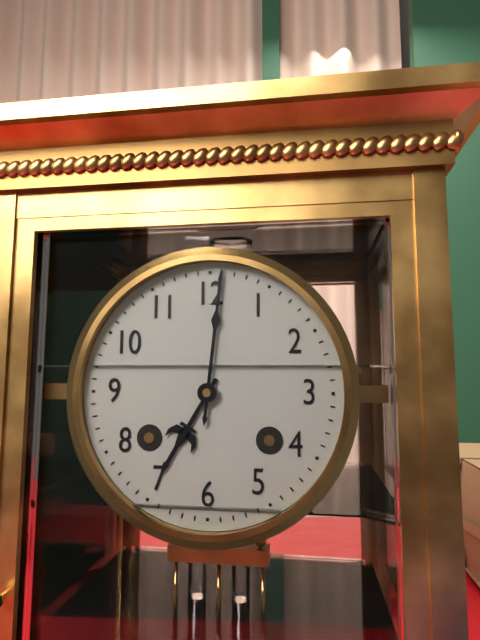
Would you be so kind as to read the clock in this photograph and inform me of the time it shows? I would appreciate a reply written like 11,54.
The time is 7,01
